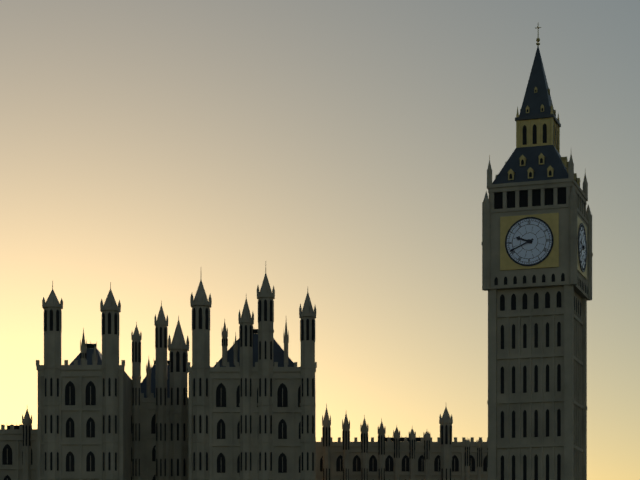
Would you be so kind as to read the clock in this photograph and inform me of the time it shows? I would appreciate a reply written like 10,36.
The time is 9,41
